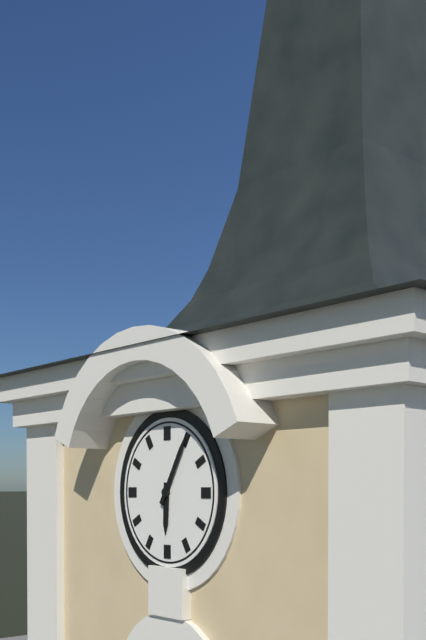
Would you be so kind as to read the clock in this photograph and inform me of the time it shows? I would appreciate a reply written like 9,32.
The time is 6,05
